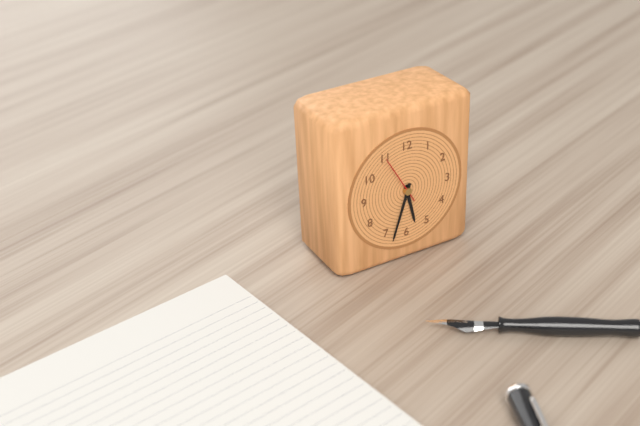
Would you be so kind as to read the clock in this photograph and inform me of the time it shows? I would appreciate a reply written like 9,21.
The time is 5,33
